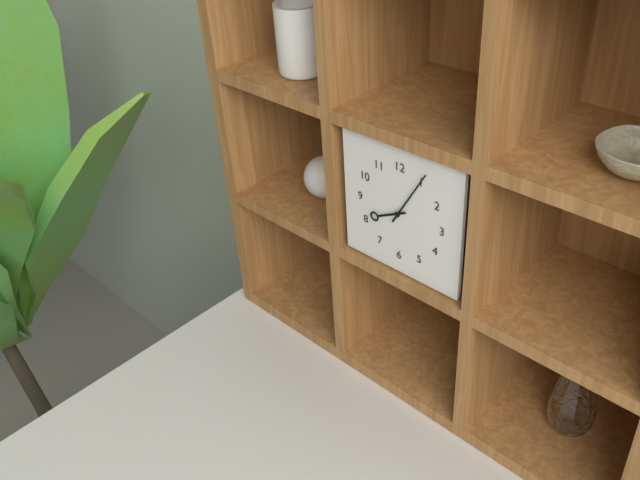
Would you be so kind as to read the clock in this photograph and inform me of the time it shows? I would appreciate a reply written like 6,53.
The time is 8,05
